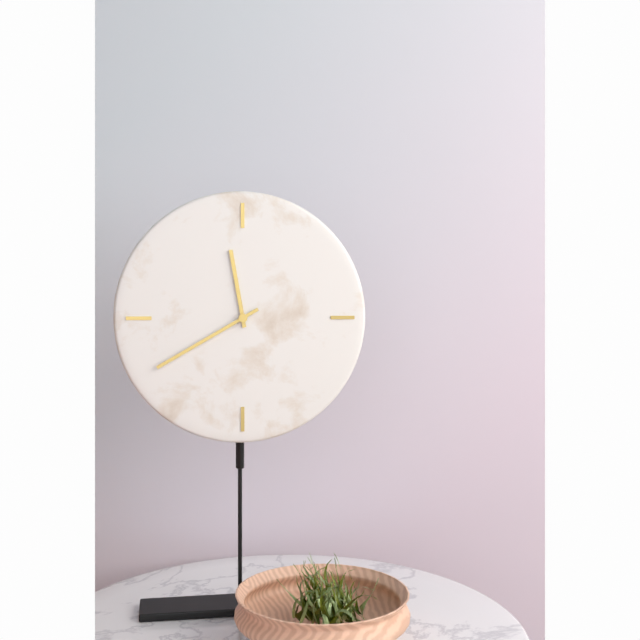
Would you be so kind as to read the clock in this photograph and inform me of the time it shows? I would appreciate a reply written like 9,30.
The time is 11,40
